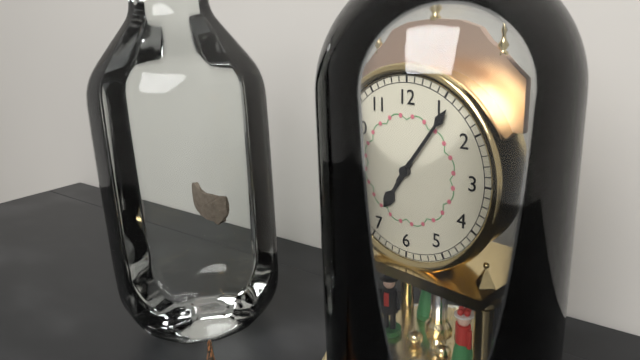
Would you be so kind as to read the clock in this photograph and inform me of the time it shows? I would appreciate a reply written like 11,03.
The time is 7,06
